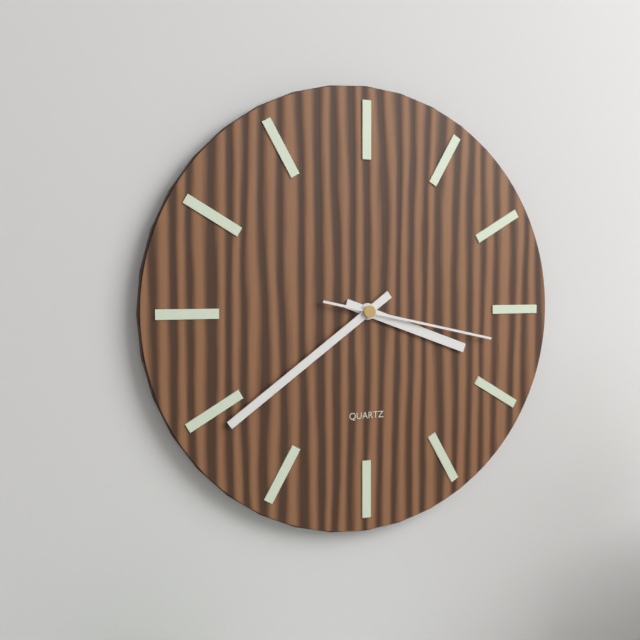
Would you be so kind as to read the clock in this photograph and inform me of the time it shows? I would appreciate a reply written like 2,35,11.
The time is 3,39,17
